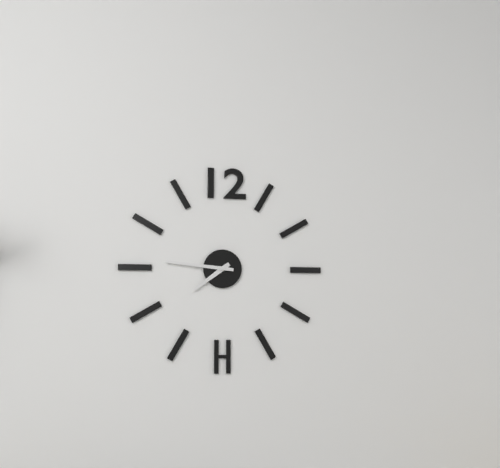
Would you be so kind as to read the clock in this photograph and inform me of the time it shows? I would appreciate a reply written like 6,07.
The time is 7,46
